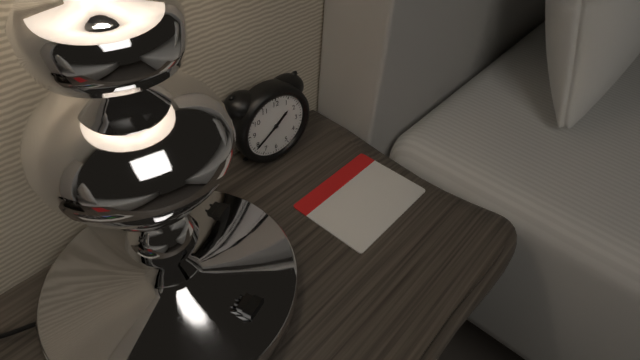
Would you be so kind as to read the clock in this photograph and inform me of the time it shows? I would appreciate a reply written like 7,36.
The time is 1,39
